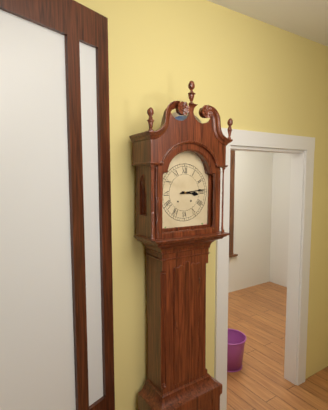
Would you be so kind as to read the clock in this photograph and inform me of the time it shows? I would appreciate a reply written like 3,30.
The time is 3,14
